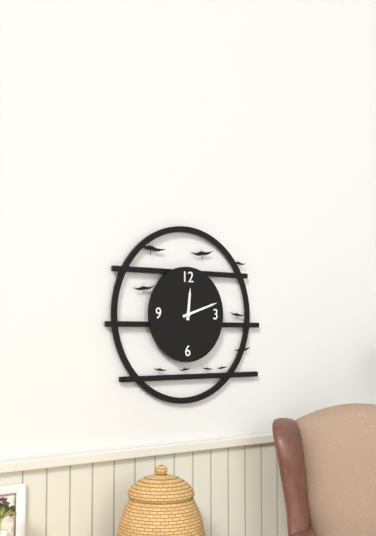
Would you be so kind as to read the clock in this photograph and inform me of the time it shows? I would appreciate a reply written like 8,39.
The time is 12,12
